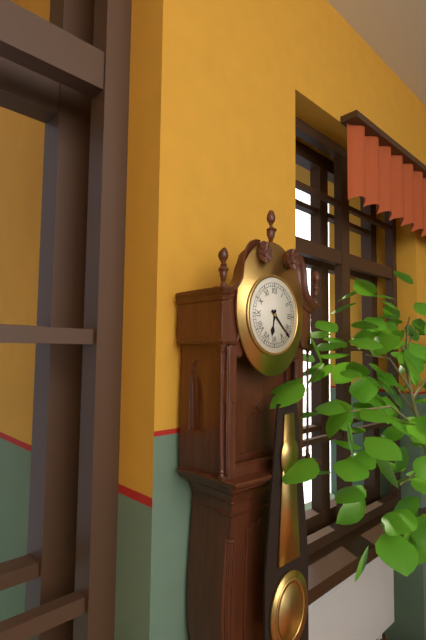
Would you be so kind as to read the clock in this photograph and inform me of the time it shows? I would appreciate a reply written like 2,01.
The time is 6,22
